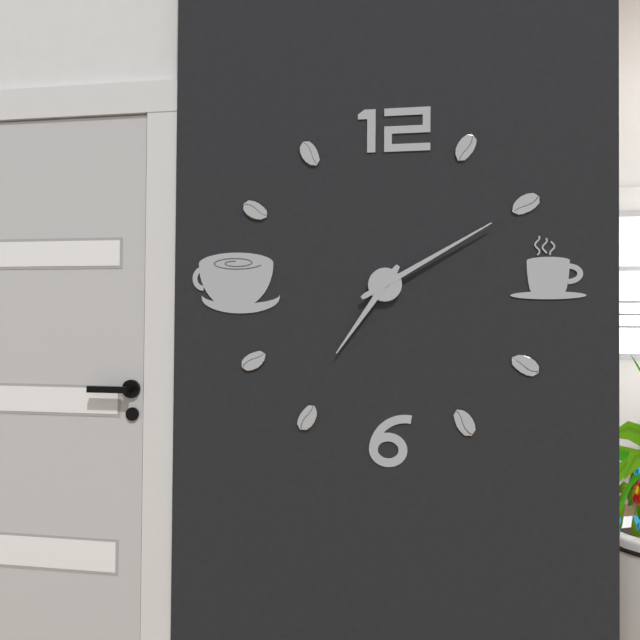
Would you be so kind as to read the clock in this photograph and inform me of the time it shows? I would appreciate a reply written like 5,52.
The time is 7,10
